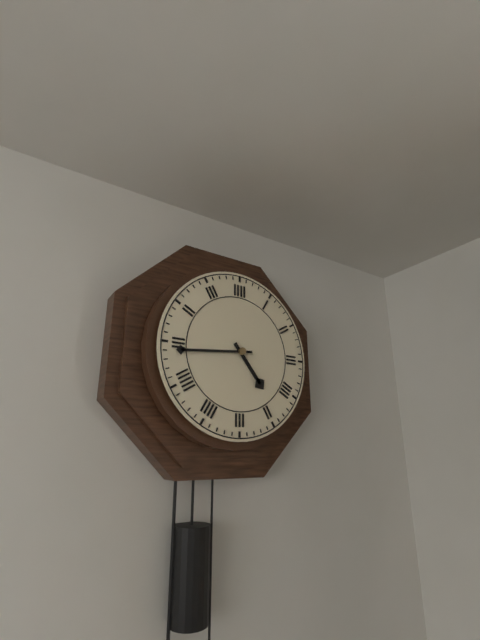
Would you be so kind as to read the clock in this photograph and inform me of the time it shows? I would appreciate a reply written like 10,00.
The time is 4,44
